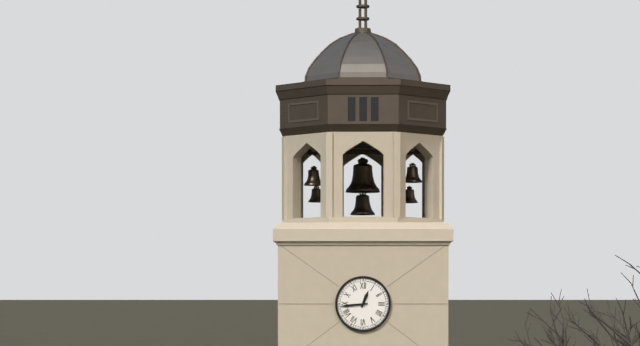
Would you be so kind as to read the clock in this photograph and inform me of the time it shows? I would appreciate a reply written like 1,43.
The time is 12,44
